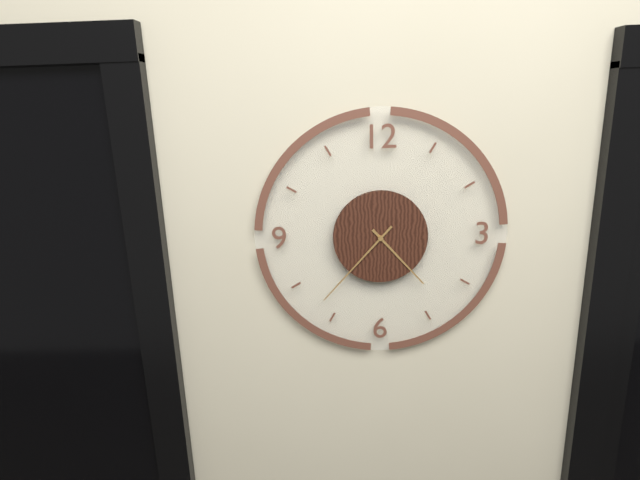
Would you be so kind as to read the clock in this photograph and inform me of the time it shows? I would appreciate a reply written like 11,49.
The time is 4,37
